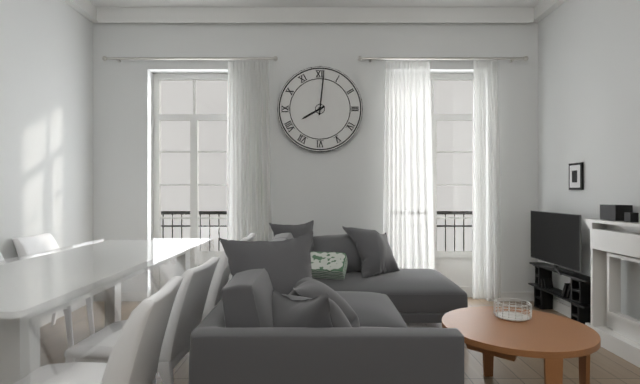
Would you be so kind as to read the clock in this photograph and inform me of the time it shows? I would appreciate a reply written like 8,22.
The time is 8,01
